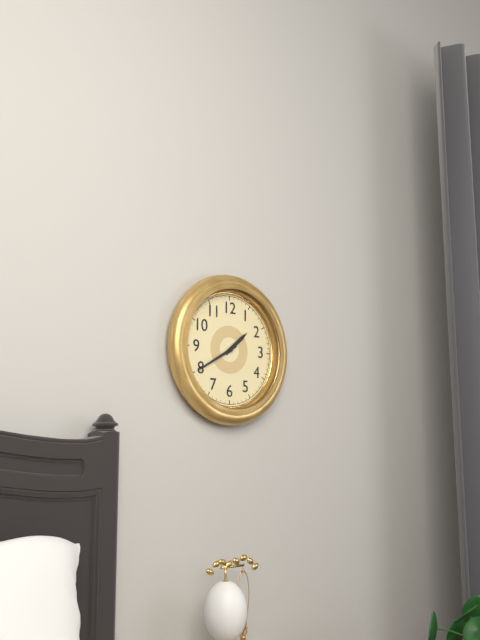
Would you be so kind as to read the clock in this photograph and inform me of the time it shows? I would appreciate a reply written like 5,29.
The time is 1,40
